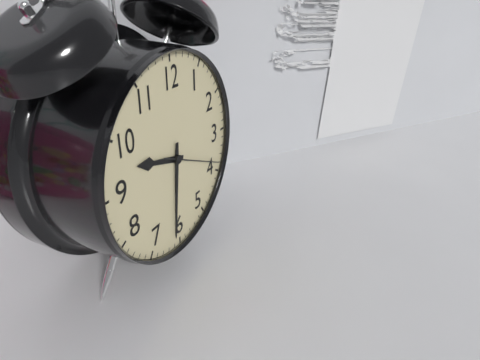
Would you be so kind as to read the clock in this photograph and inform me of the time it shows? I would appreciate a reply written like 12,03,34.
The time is 9,31,19
